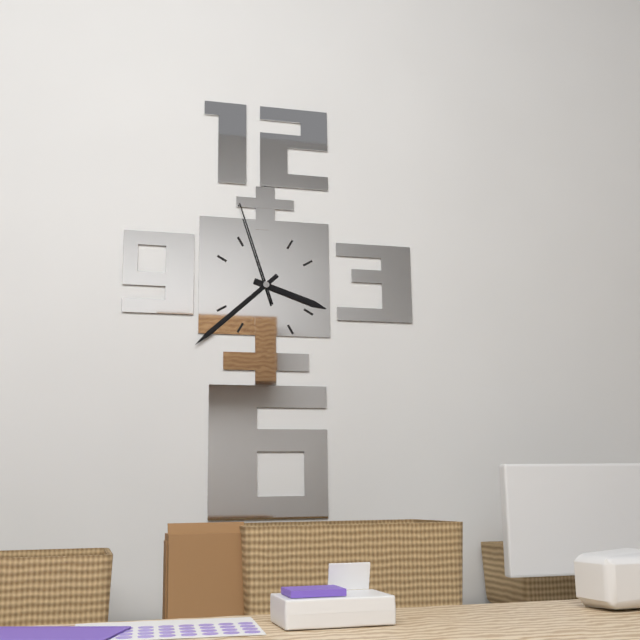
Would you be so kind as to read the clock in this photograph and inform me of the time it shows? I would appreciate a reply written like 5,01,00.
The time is 3,38,57
